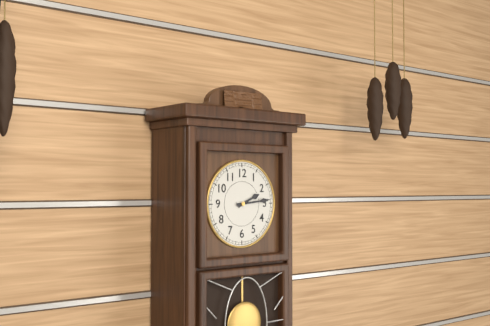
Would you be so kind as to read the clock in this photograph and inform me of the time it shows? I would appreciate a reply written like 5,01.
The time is 2,14
